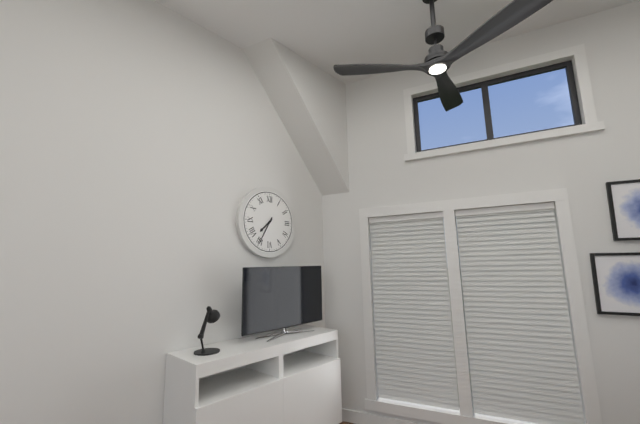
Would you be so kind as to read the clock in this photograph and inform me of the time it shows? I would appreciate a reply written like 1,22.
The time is 7,35
